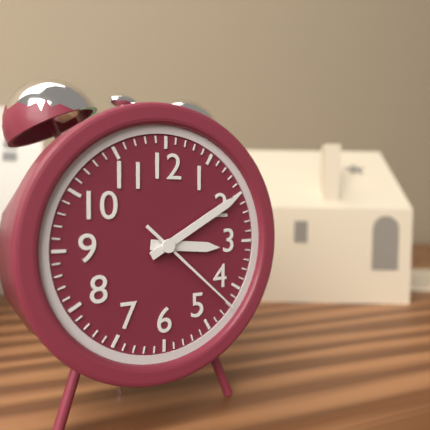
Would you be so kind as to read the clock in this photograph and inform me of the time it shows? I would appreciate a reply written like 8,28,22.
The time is 3,10,22
